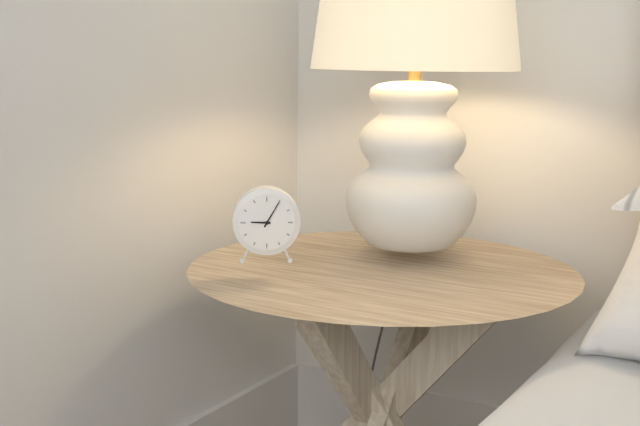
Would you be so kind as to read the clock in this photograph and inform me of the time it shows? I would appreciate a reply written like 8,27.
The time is 9,05
